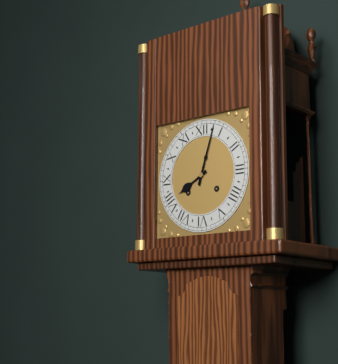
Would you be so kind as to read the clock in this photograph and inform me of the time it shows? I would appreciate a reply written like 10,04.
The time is 8,03
